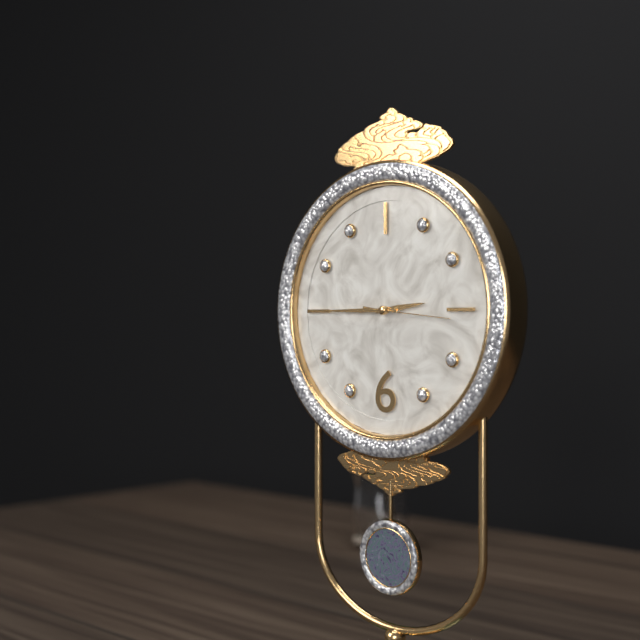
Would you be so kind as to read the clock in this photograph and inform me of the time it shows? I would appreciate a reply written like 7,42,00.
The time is 2,45,16
